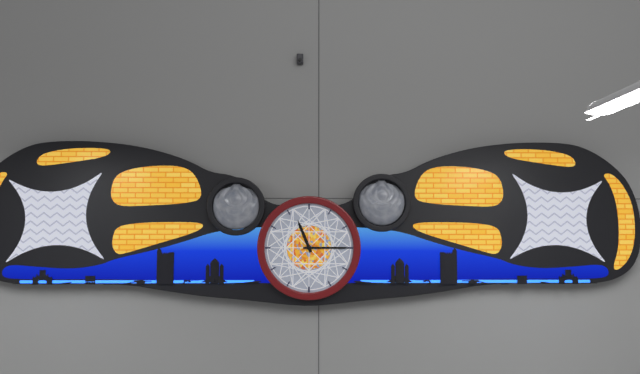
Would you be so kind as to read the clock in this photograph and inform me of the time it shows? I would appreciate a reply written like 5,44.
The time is 11,15
